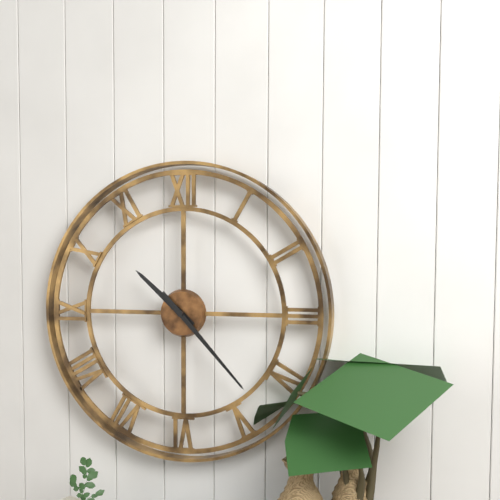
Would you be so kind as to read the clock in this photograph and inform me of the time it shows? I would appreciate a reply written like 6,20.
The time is 10,23
